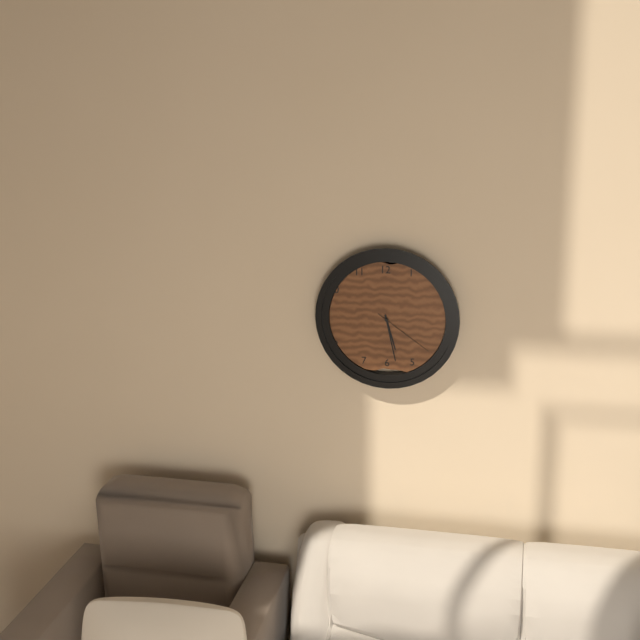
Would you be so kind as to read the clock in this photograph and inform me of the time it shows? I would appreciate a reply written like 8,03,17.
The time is 5,28,21
